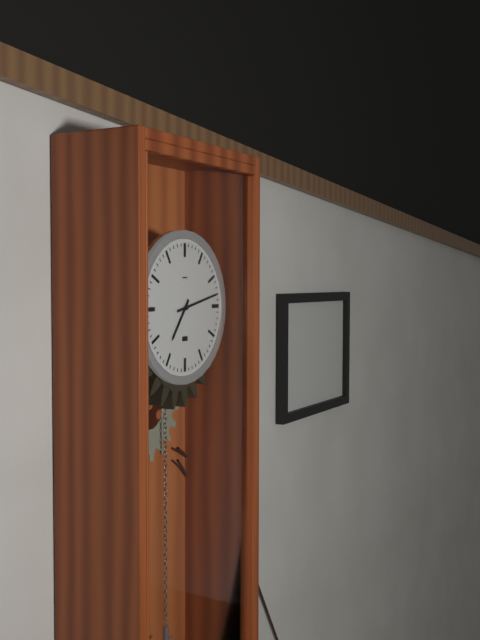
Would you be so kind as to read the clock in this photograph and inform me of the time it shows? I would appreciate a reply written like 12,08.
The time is 7,13
